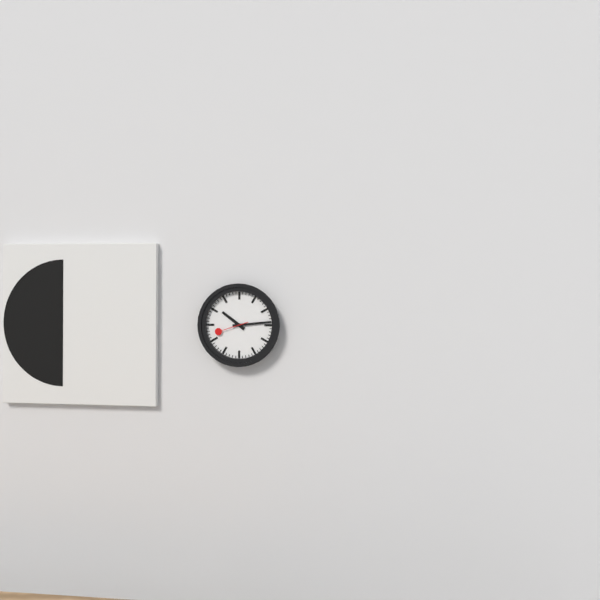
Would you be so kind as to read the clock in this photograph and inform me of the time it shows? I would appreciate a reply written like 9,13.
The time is 10,14
